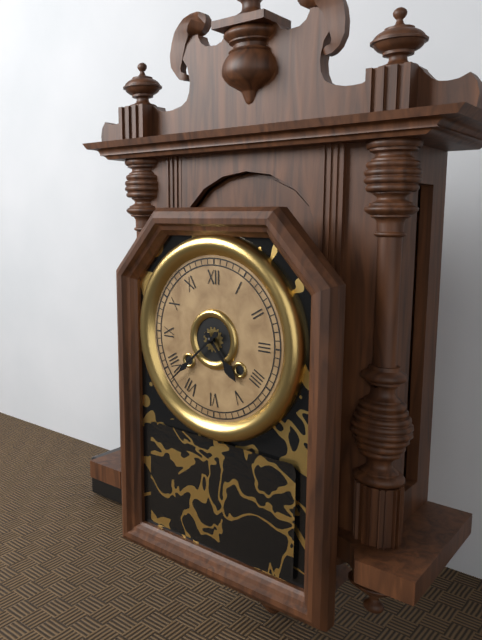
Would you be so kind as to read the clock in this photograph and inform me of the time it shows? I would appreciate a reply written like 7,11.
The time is 4,38
